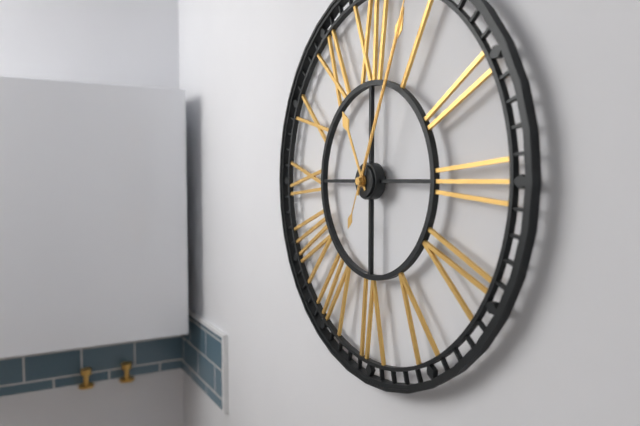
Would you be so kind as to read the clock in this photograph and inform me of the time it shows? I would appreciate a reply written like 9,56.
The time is 11,04
